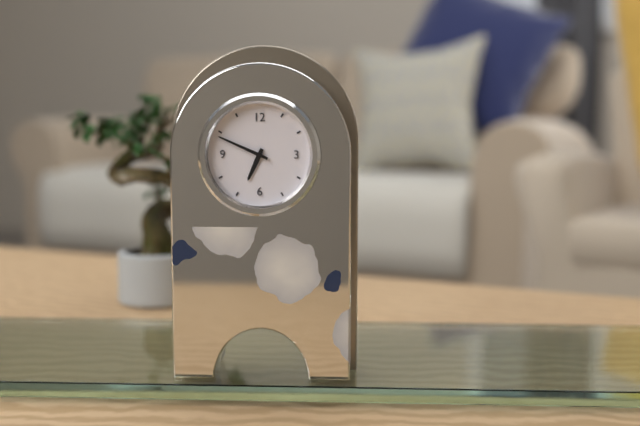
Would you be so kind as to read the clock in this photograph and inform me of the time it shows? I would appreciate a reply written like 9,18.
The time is 6,49
